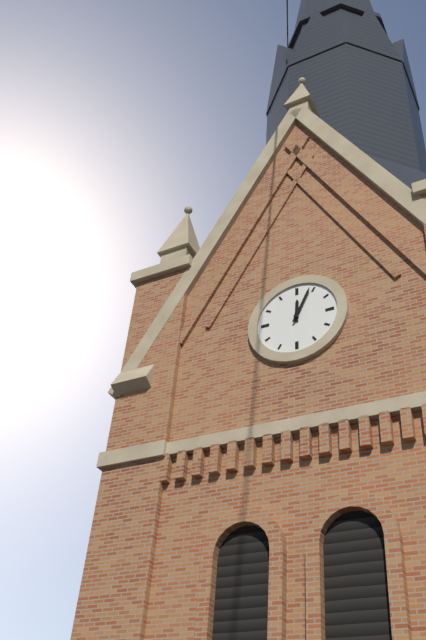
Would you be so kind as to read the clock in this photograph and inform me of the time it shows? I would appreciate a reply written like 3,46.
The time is 12,04
